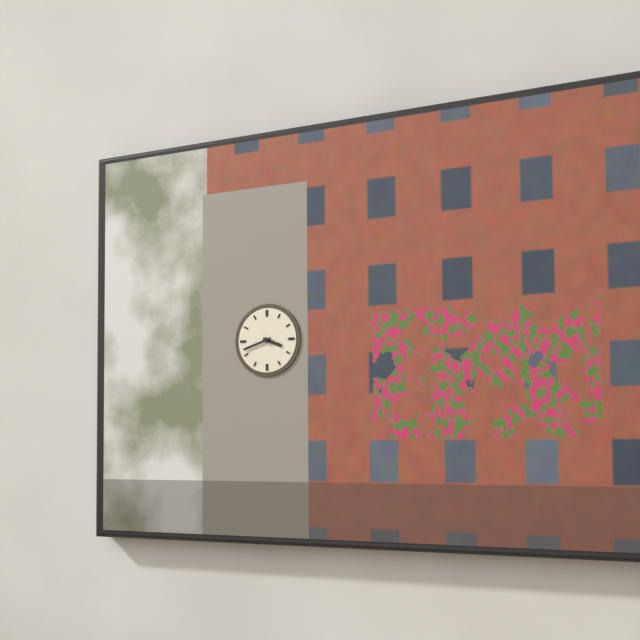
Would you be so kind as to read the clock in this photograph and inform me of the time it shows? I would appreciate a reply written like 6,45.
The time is 3,42
